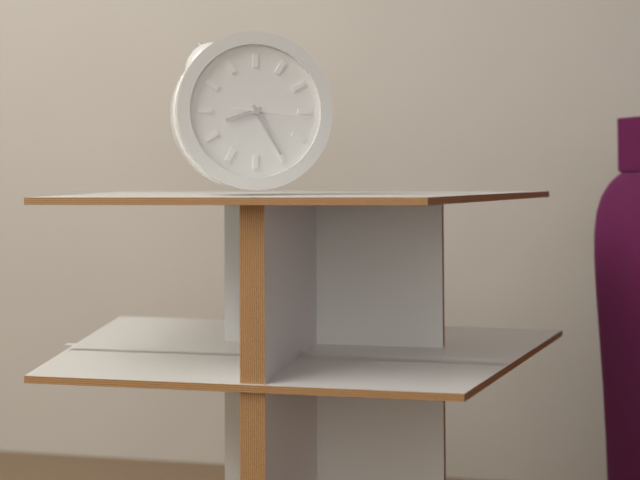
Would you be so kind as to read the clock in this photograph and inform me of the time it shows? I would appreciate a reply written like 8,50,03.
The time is 8,25,16
